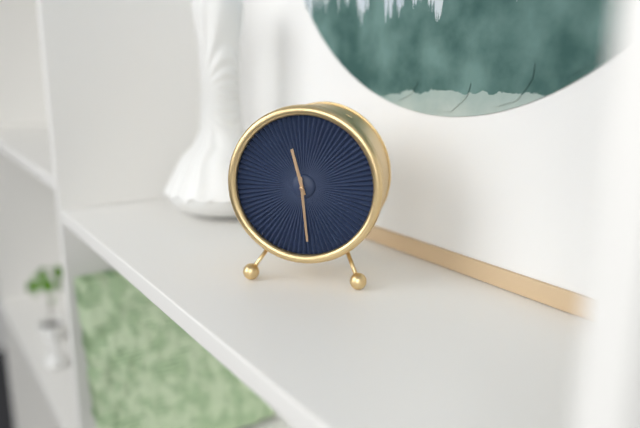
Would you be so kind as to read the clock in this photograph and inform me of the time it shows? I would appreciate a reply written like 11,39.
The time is 11,29
